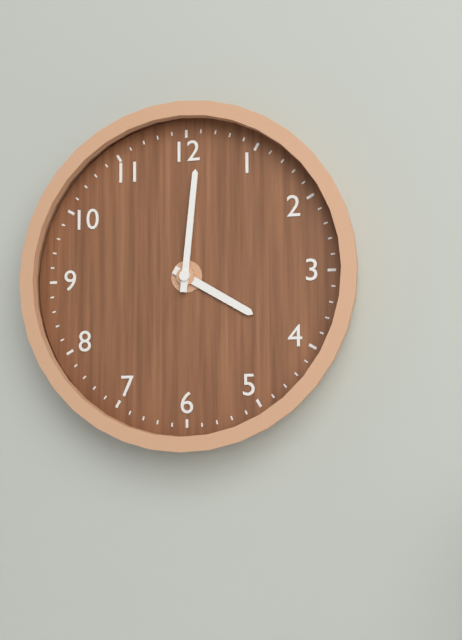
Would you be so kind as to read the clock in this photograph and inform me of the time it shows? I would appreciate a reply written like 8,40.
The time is 4,01
